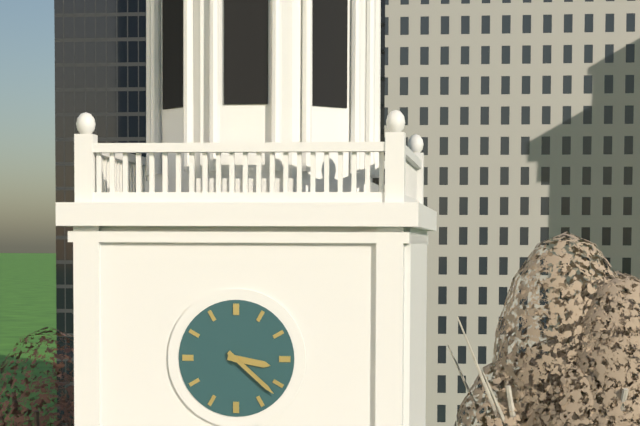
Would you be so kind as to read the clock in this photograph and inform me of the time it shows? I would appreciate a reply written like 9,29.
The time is 3,22
